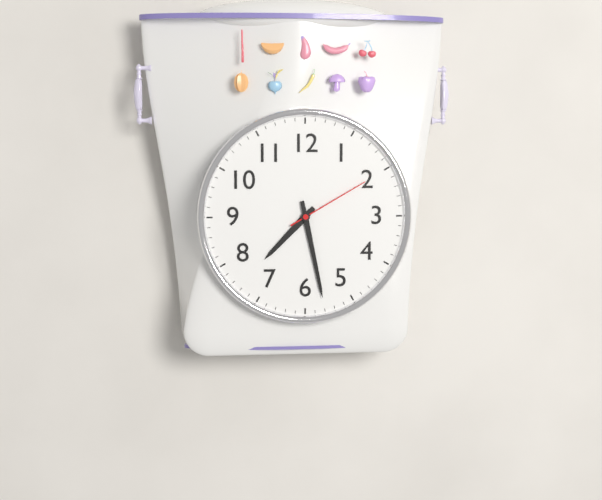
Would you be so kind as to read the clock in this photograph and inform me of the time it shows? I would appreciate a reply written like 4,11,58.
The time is 7,28,10
